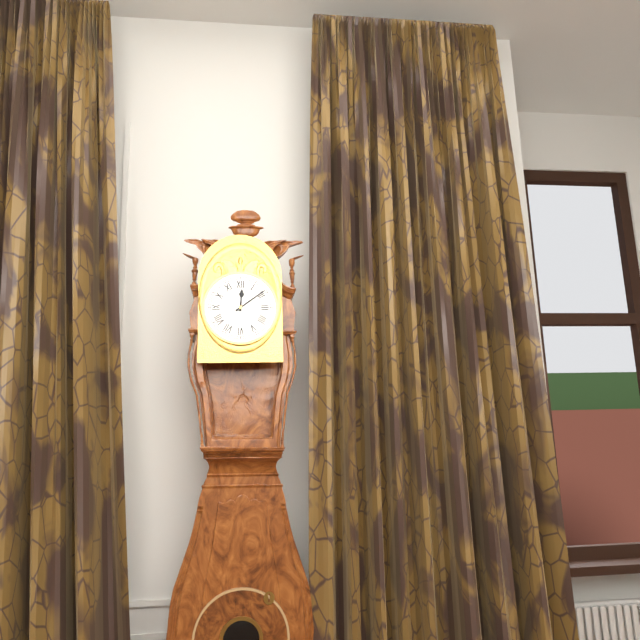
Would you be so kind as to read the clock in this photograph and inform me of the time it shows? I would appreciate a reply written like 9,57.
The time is 12,09
